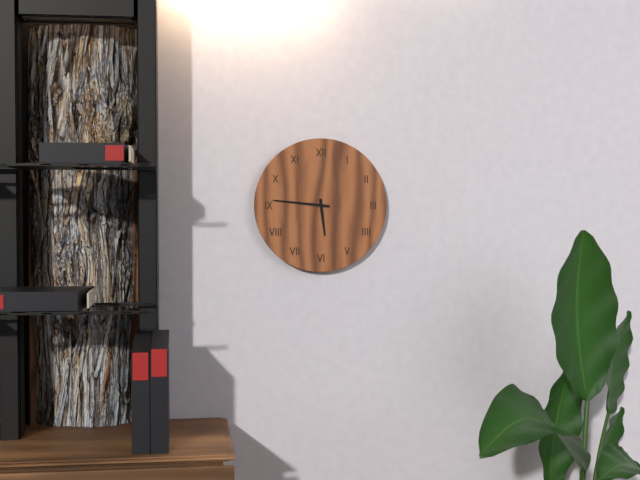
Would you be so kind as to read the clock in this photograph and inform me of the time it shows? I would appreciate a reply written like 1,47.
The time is 5,46
